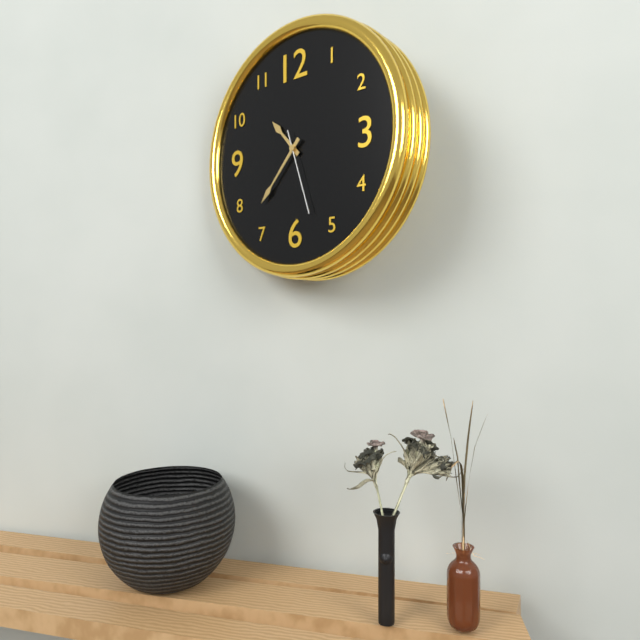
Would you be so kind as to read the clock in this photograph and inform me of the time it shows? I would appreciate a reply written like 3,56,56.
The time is 10,37,27
